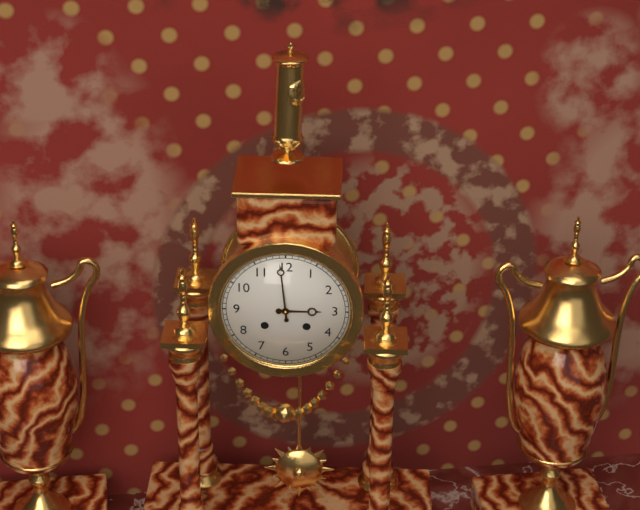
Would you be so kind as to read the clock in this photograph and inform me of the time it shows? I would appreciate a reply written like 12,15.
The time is 2,59
